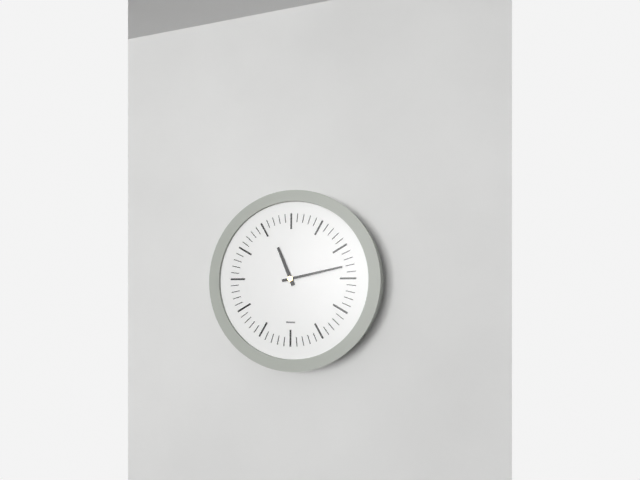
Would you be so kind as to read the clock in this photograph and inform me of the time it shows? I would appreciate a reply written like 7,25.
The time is 11,13
